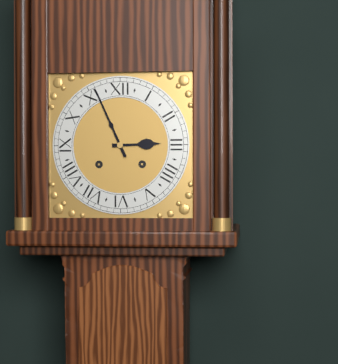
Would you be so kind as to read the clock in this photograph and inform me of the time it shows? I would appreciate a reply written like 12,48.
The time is 2,56
